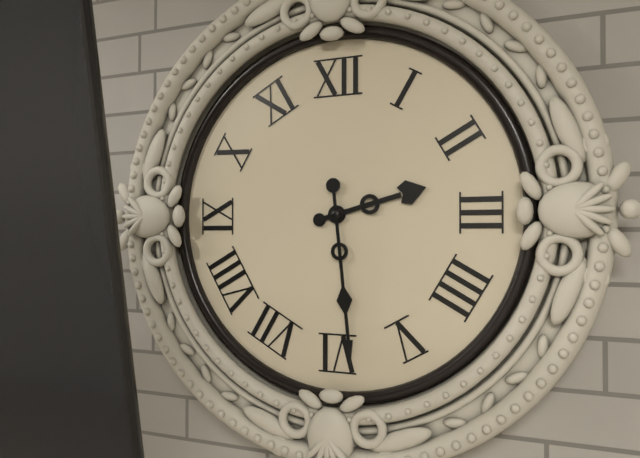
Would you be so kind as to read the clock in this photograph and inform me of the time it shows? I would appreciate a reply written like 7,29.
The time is 2,29
